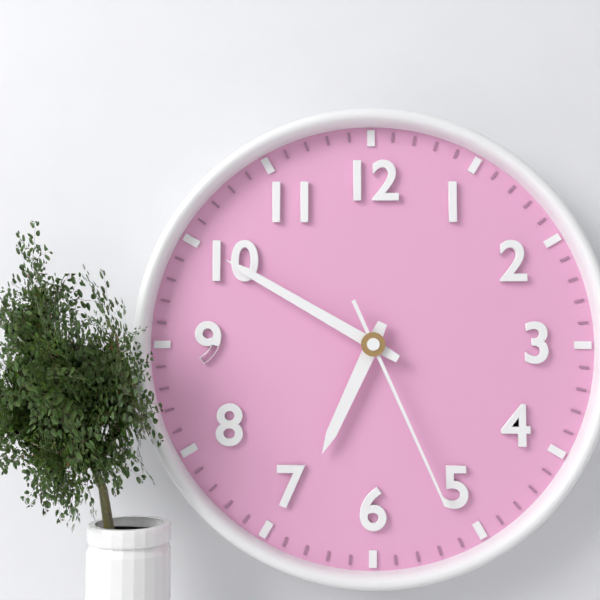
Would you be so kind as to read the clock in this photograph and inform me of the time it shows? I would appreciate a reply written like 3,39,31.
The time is 6,50,26
